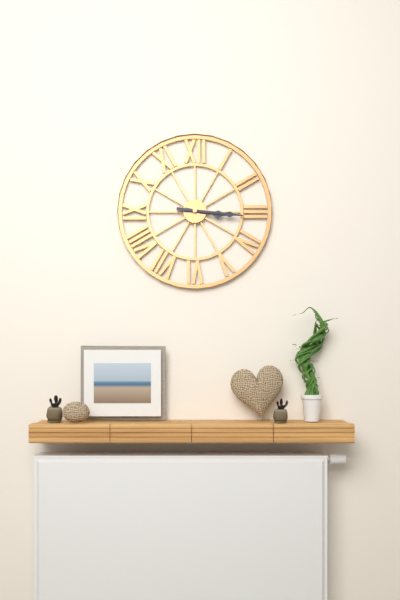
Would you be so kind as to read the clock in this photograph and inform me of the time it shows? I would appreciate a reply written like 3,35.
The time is 3,16
